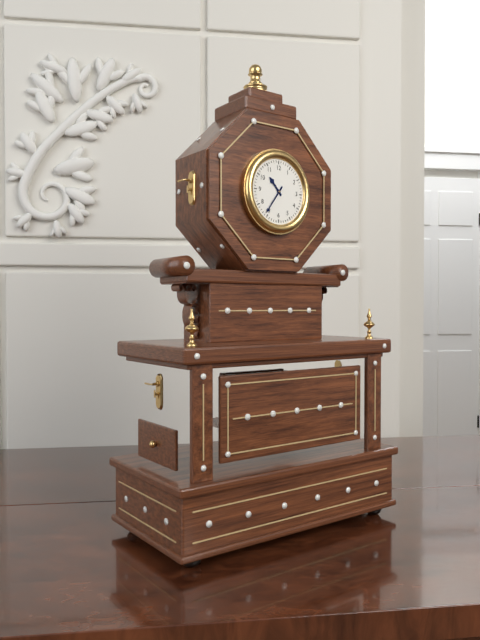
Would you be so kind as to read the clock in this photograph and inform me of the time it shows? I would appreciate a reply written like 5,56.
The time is 10,36
